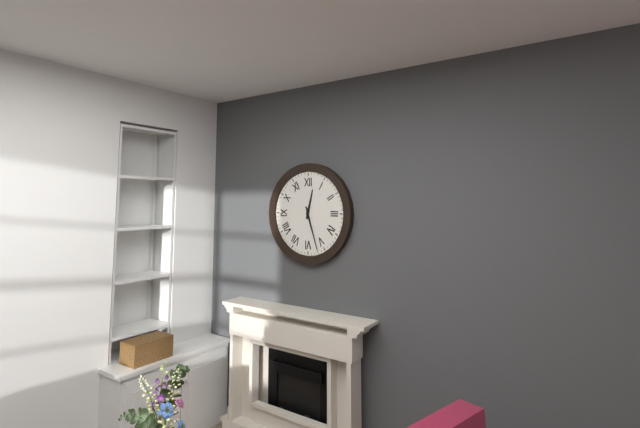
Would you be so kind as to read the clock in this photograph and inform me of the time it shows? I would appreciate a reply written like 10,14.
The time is 12,27
